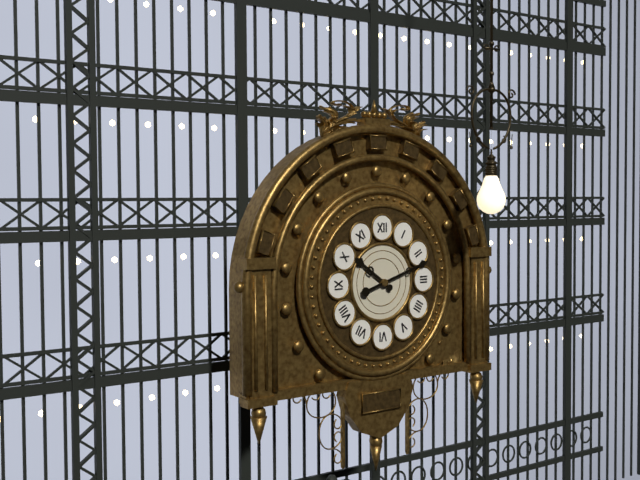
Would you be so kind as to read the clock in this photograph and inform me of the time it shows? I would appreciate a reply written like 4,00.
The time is 10,12
